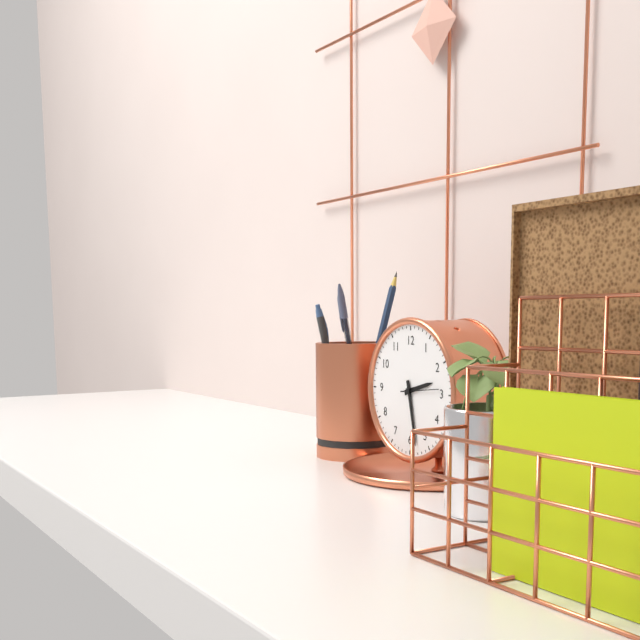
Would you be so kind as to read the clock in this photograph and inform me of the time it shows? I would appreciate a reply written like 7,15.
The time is 2,28
